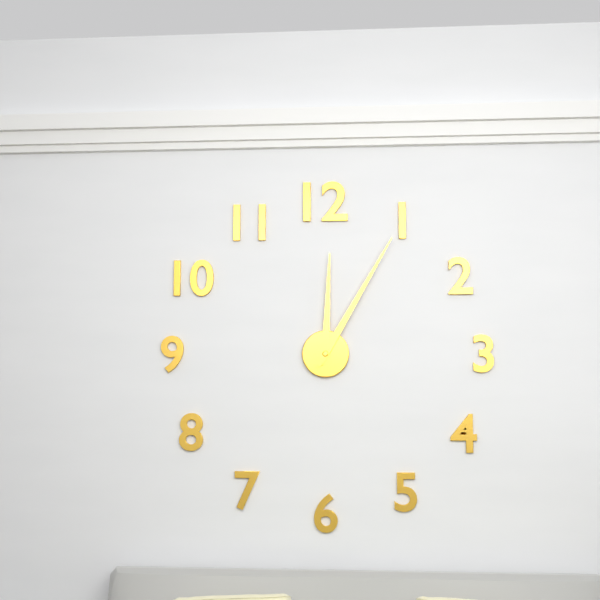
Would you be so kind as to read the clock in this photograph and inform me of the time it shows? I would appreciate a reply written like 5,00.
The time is 12,05
